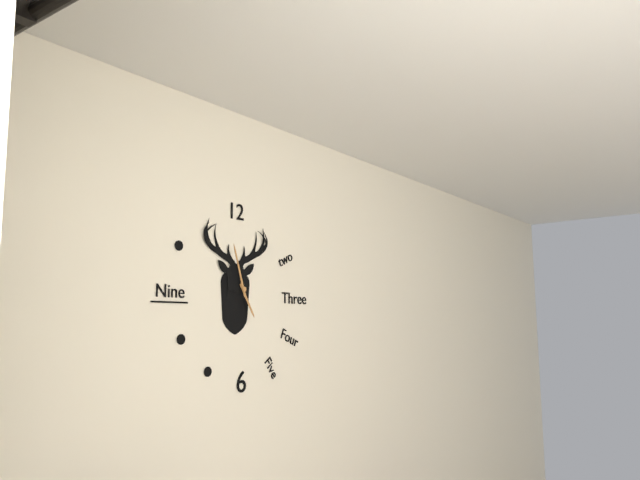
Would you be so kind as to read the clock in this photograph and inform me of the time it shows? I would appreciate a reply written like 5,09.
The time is 4,57
